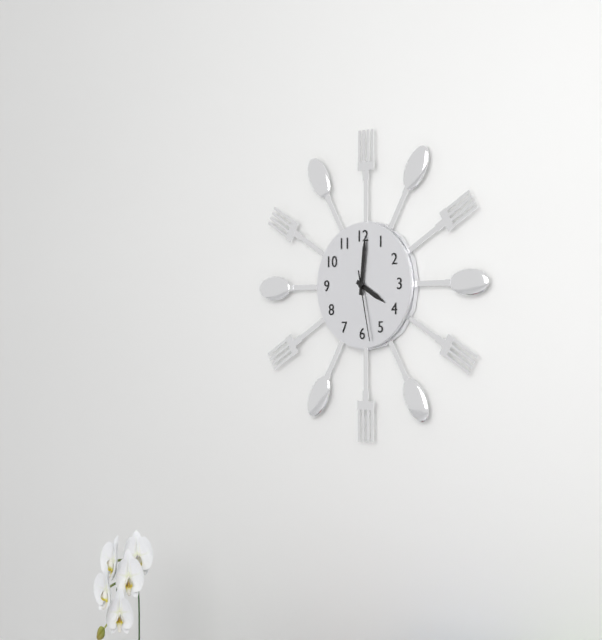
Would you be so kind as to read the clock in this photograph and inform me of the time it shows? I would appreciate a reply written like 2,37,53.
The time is 4,01,28
